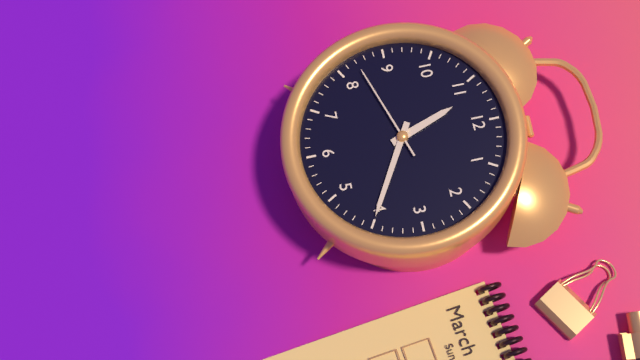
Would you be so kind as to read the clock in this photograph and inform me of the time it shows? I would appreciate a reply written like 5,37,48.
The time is 11,20,42
